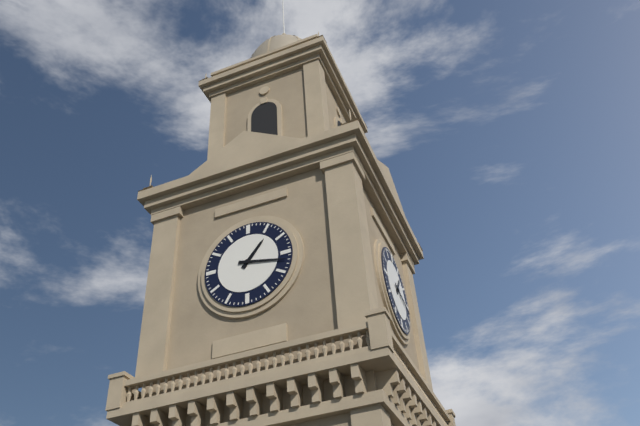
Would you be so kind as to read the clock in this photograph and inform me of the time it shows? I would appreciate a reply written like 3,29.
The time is 1,17
